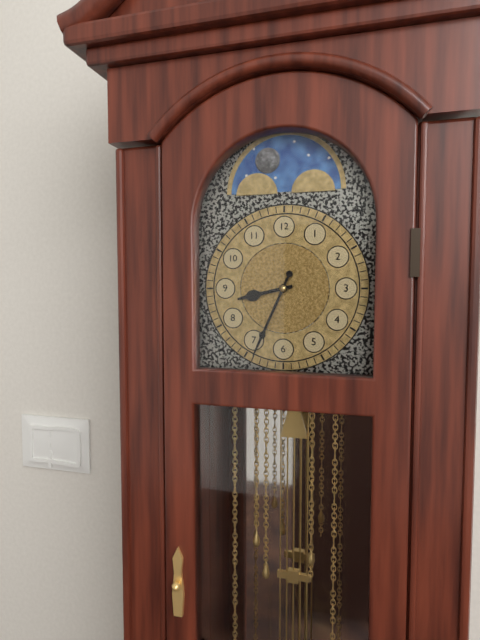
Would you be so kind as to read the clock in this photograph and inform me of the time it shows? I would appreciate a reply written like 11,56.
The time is 8,34
